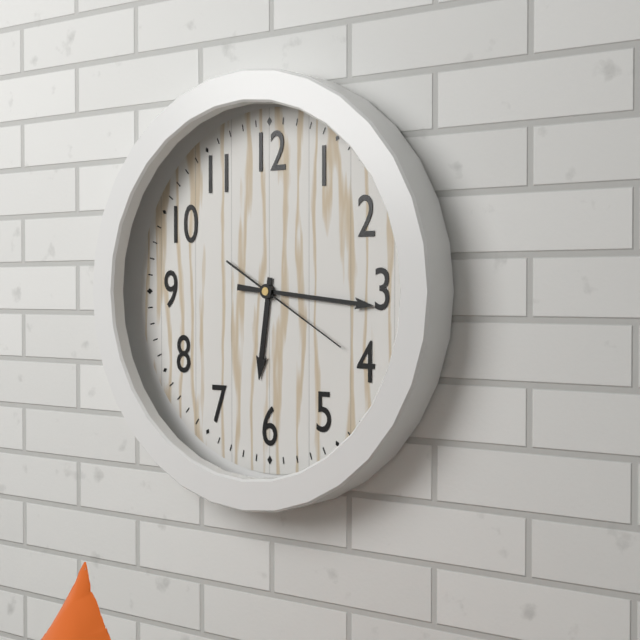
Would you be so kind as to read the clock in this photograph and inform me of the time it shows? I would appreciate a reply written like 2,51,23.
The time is 6,16,20
